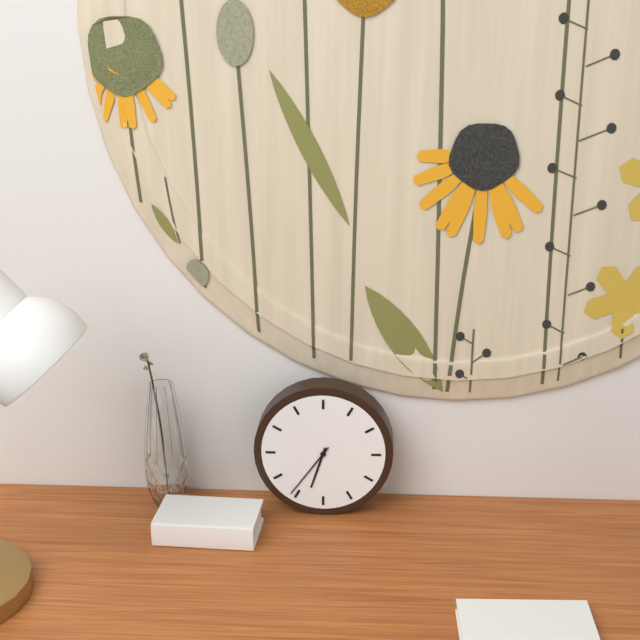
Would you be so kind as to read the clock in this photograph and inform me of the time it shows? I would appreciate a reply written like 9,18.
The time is 6,36
